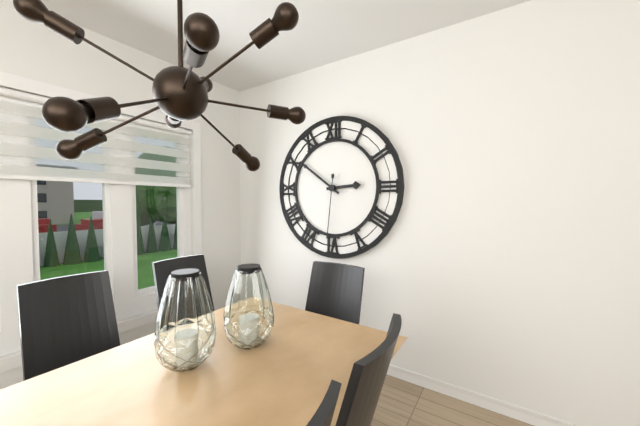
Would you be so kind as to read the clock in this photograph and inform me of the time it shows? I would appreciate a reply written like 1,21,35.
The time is 2,51,31
